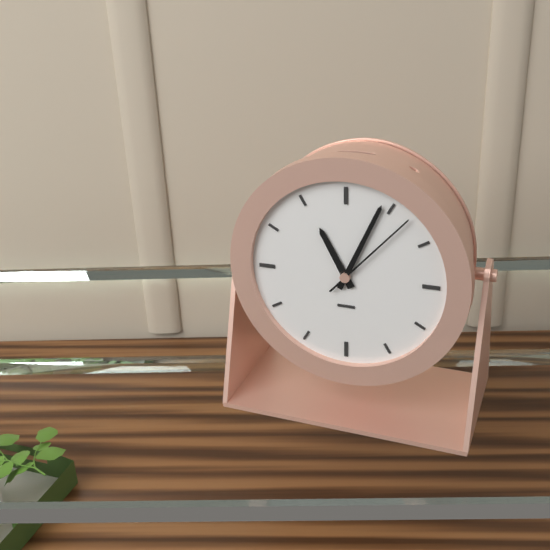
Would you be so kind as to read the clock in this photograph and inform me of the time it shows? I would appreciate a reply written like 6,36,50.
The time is 11,04,07
